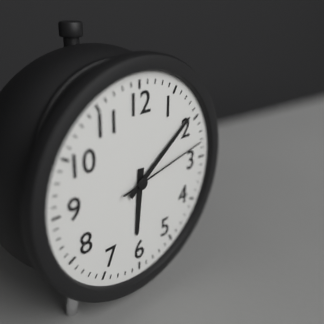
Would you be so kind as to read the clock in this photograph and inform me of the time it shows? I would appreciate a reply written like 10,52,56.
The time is 6,09,13
